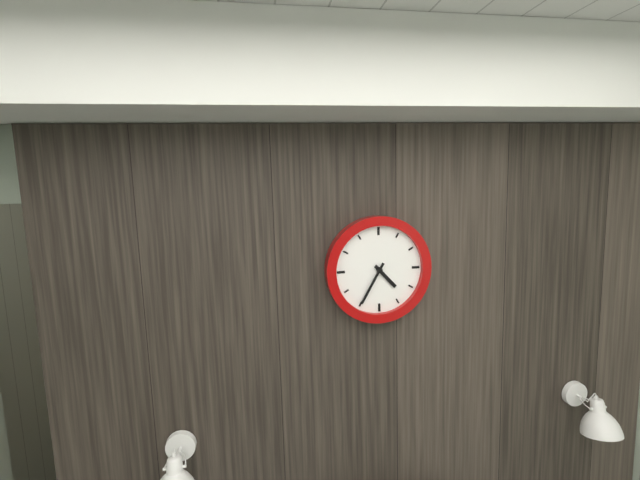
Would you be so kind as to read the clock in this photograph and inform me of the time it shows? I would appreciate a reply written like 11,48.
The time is 4,35
